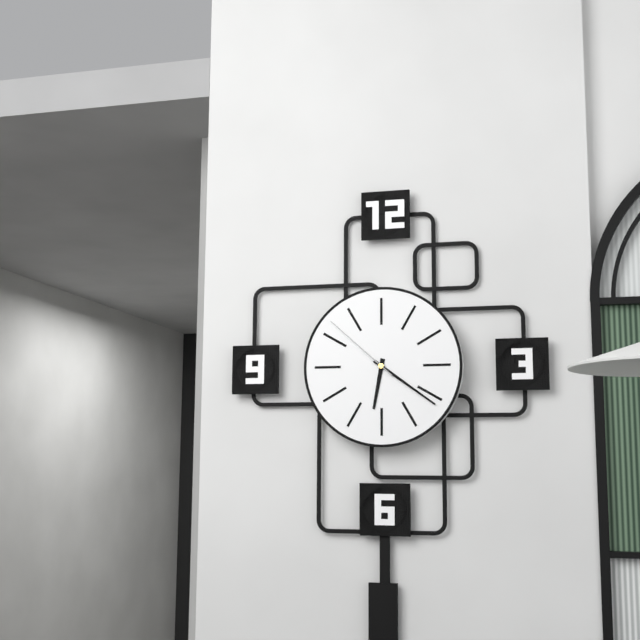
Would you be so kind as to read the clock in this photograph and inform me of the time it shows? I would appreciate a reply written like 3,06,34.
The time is 6,21,52
